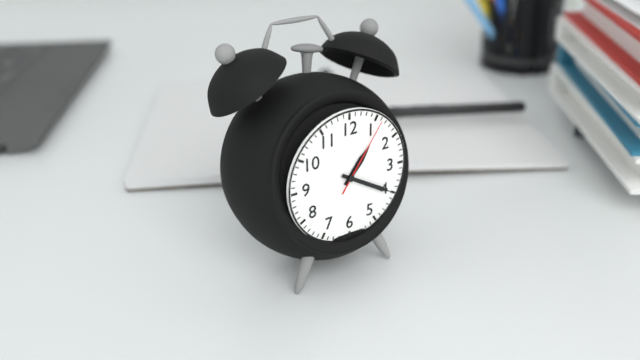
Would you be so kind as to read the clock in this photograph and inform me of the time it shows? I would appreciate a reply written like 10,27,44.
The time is 1,20,06
